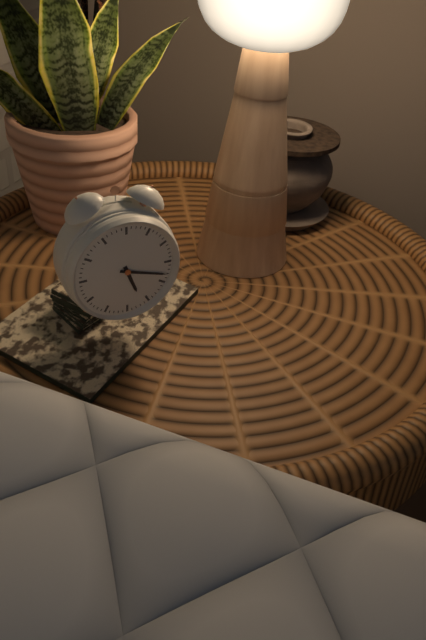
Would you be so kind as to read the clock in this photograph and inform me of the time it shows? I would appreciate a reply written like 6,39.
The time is 5,18
